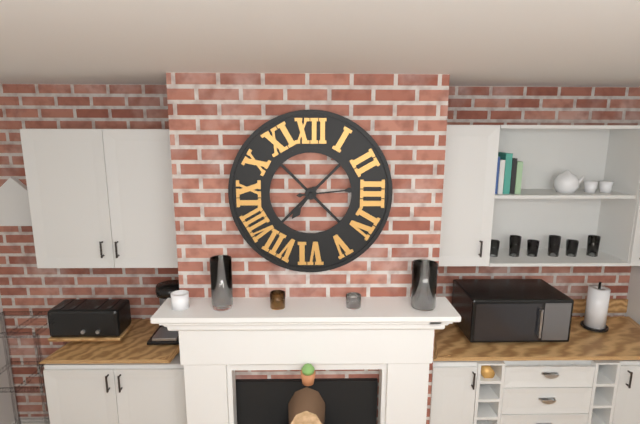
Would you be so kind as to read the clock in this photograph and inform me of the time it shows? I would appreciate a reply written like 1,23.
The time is 7,14
